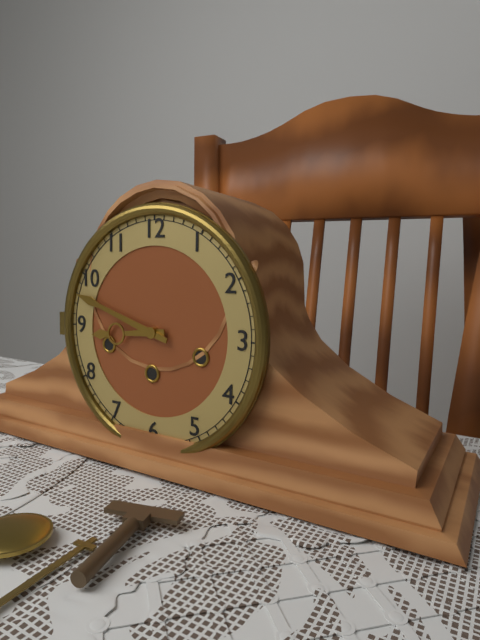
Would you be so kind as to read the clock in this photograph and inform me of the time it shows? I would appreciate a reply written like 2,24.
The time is 8,48
